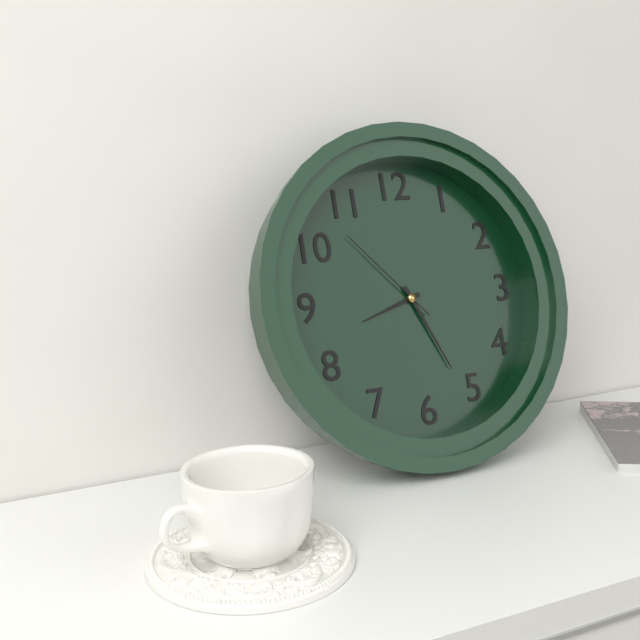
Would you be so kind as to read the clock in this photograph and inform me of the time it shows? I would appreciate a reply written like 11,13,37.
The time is 8,26,53
